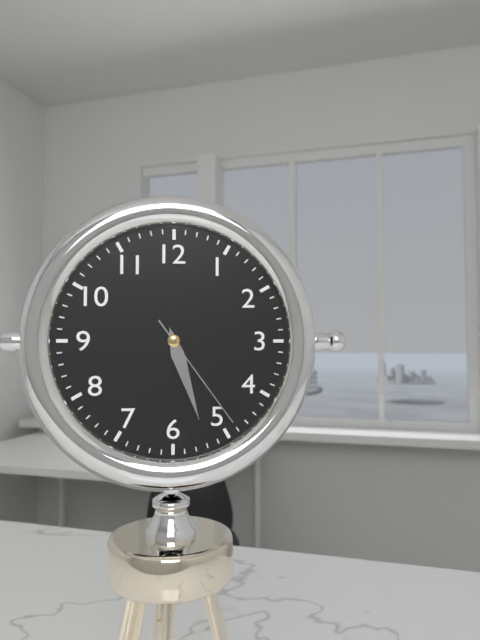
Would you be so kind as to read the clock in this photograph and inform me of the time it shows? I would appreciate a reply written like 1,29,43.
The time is 5,27,24
